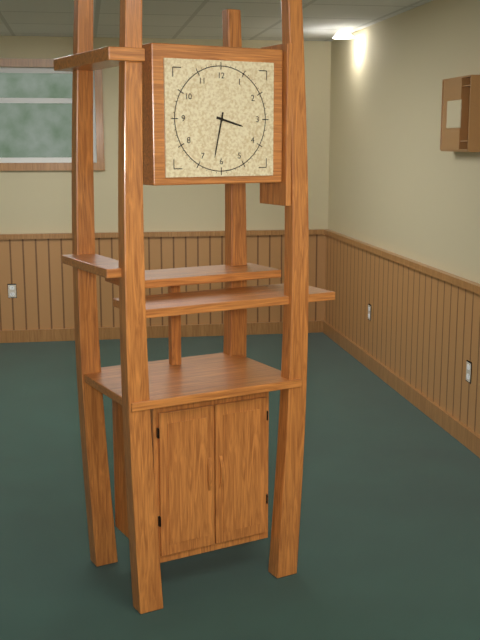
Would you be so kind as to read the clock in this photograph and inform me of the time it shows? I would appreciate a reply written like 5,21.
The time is 3,32
